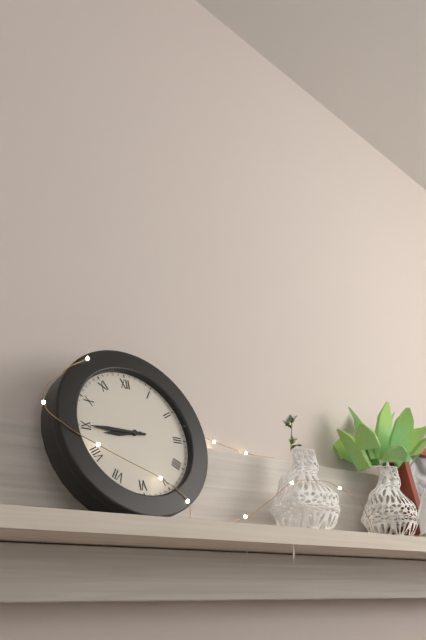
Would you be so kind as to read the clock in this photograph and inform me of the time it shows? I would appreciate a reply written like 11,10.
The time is 8,45
